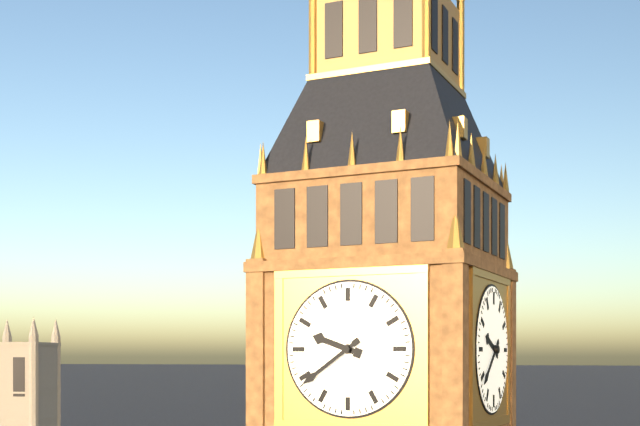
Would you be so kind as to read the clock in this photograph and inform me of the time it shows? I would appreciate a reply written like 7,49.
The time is 9,39
